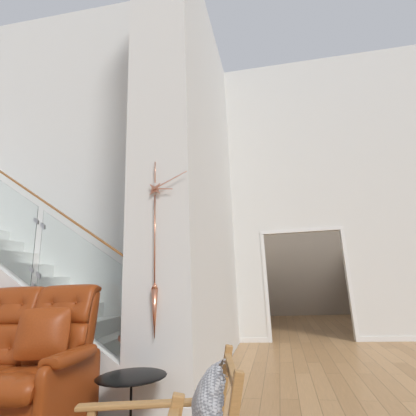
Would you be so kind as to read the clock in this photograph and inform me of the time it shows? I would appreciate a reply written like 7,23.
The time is 3,11
